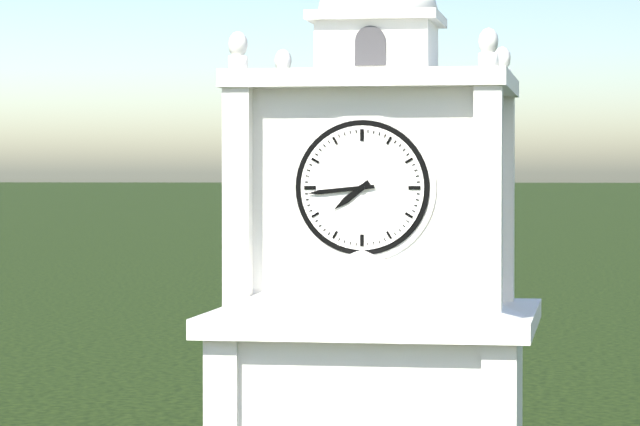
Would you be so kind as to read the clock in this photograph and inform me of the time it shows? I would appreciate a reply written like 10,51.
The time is 7,44
